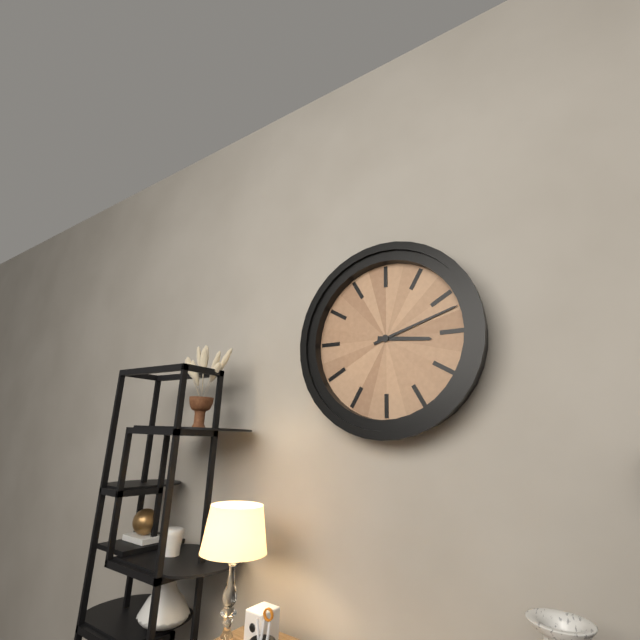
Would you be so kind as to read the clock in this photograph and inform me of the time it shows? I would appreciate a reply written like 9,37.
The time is 3,12
